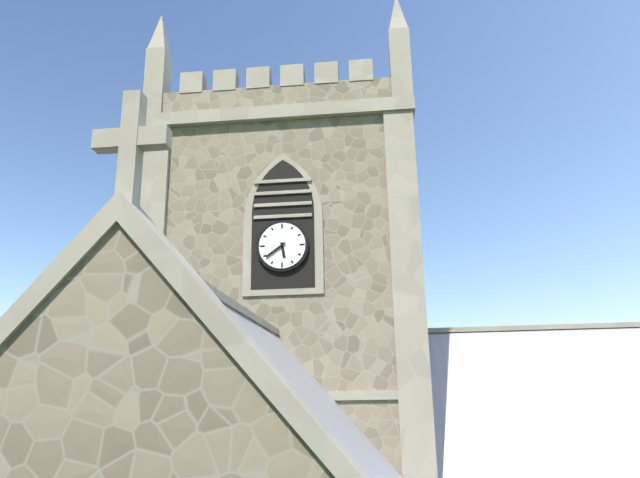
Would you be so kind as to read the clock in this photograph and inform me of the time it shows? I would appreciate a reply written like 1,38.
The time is 5,39
